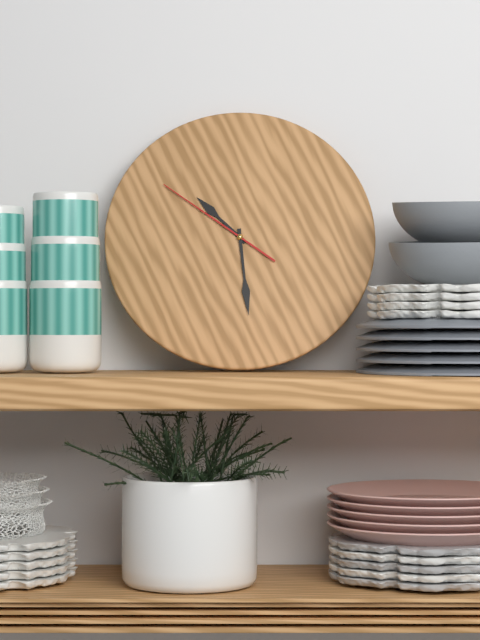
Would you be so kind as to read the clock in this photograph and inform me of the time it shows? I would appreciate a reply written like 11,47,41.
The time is 10,29,51
